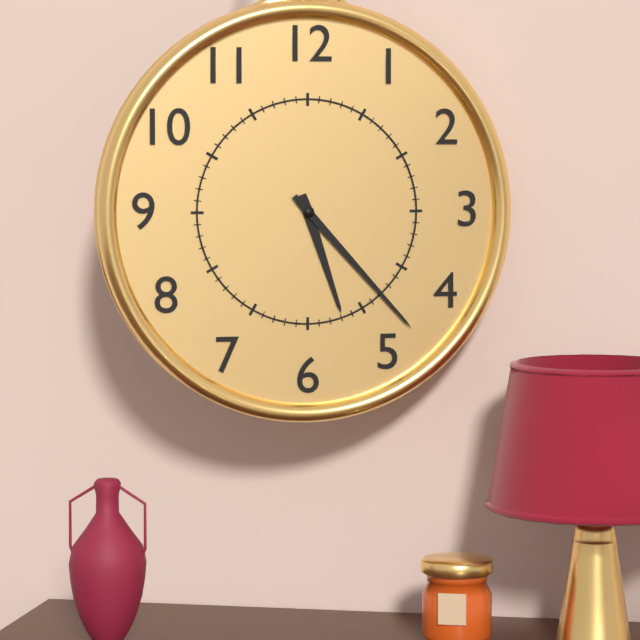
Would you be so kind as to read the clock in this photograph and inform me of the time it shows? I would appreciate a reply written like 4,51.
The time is 5,23
